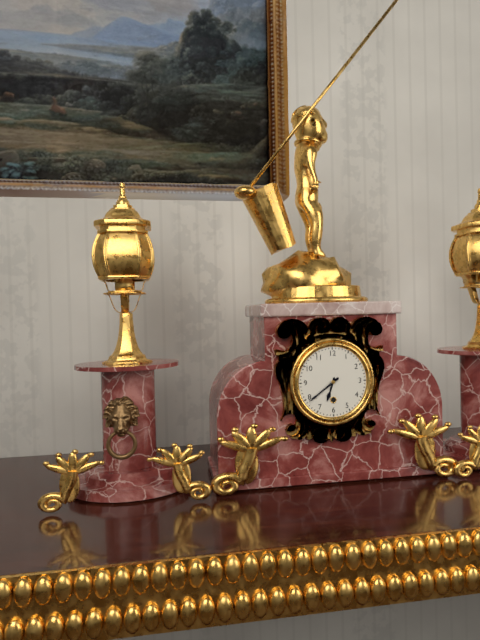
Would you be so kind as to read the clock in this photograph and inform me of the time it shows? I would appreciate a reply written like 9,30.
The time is 6,39
